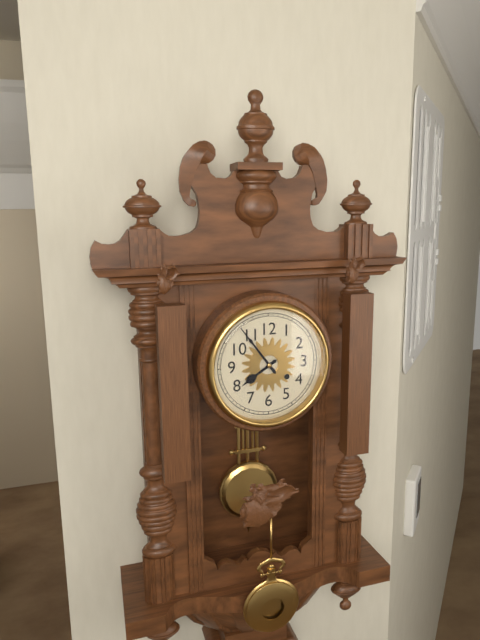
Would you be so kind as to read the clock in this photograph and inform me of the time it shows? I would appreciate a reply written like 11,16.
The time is 7,54
